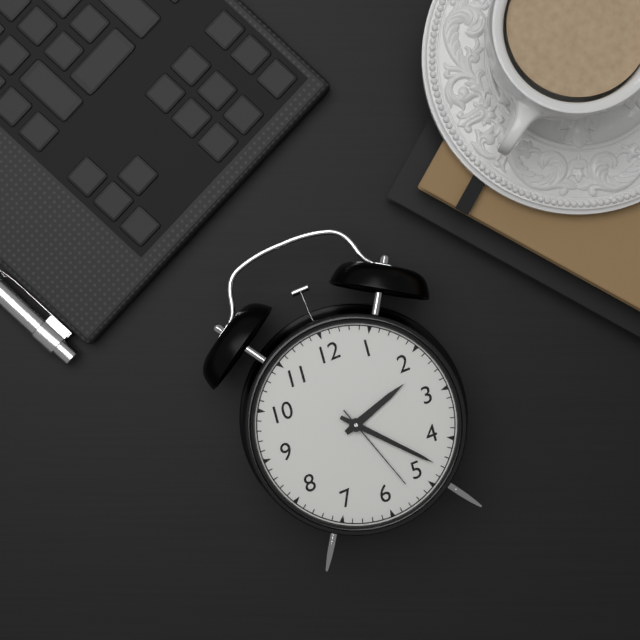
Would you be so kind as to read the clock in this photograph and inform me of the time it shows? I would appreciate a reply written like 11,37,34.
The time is 2,23,27
